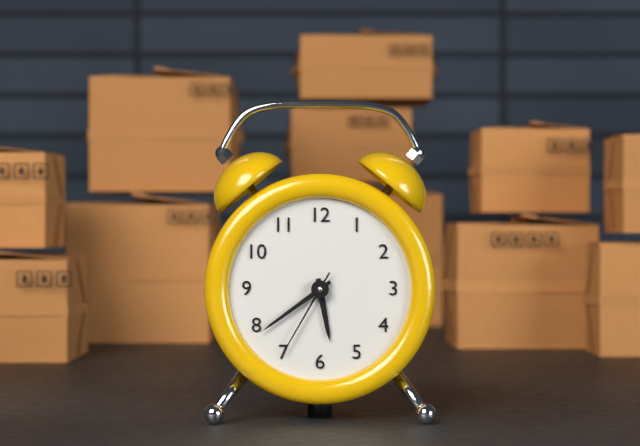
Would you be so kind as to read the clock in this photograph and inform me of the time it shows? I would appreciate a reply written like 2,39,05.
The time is 5,39,35
